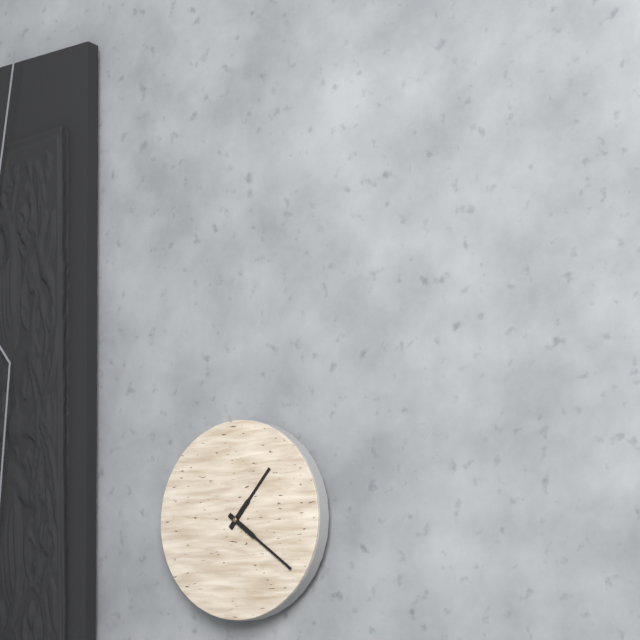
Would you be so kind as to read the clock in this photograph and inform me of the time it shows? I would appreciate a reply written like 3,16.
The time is 1,21
